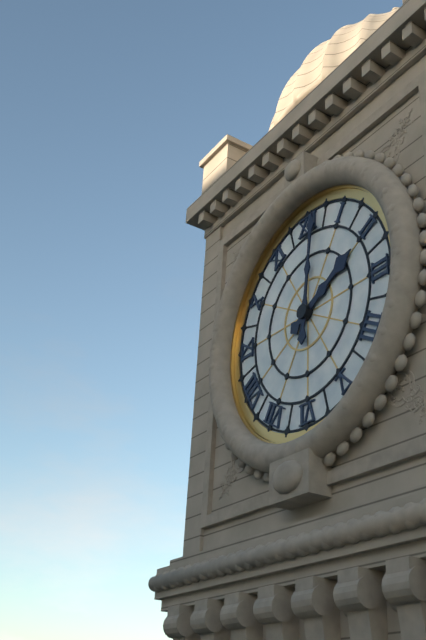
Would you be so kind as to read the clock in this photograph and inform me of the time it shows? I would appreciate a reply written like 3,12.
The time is 2,01
